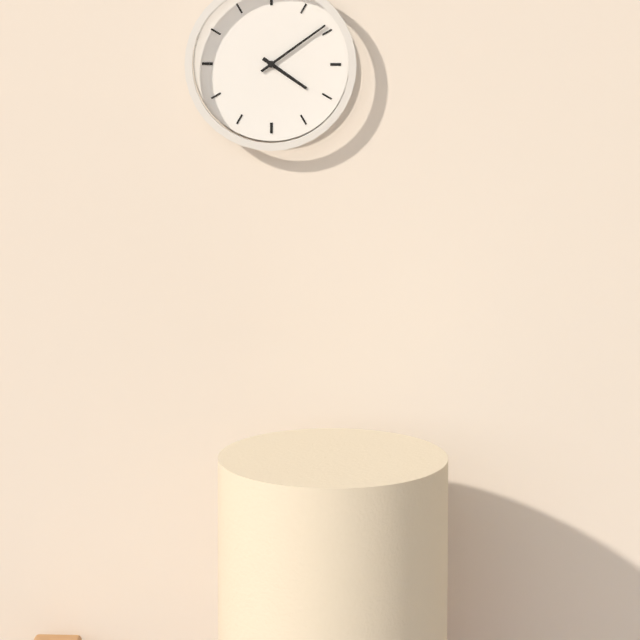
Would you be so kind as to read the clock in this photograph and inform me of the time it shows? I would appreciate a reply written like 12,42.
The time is 4,09
